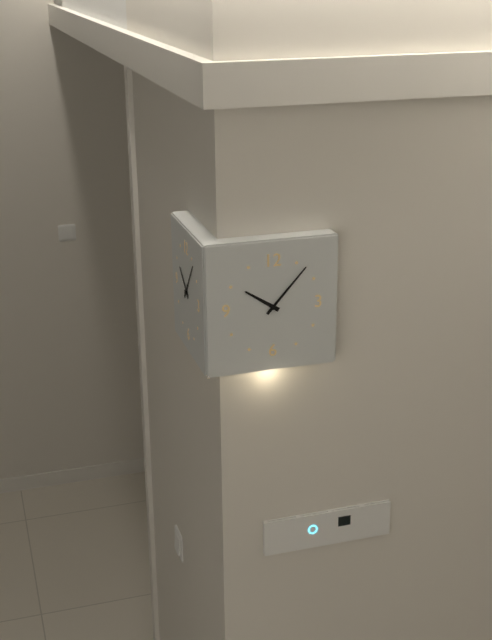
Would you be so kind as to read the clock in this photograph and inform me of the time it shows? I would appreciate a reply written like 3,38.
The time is 10,07
